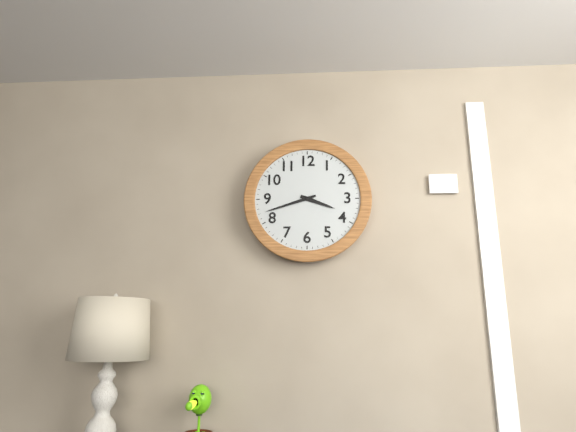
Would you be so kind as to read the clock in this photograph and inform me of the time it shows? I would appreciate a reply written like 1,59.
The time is 3,42
